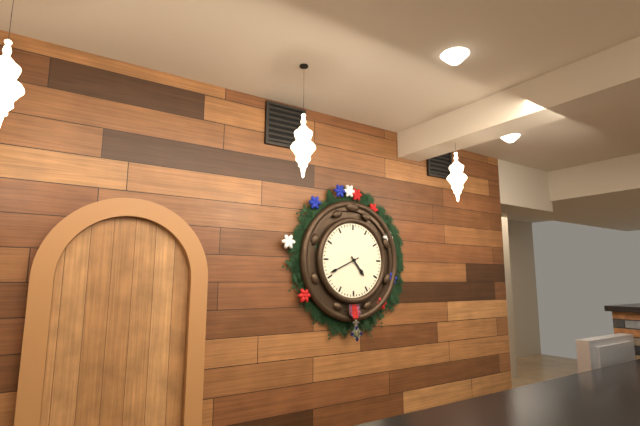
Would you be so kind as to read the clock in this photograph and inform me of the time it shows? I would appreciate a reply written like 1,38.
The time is 4,41
